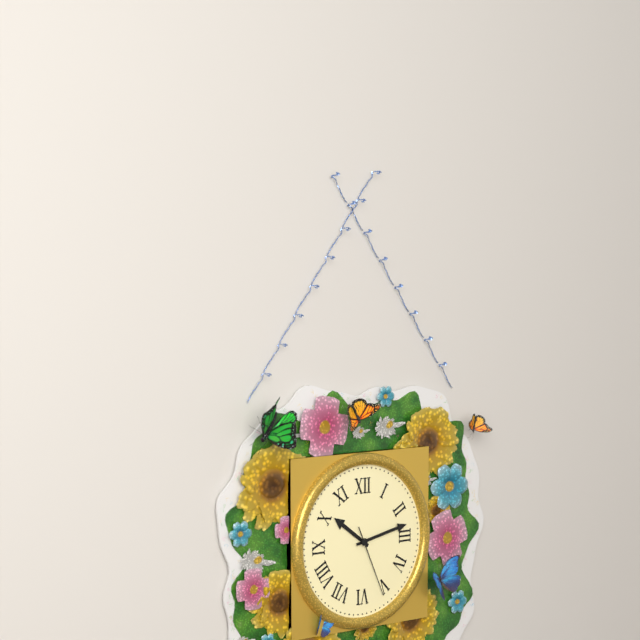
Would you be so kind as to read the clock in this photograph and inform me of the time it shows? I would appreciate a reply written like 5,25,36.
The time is 10,13,26
